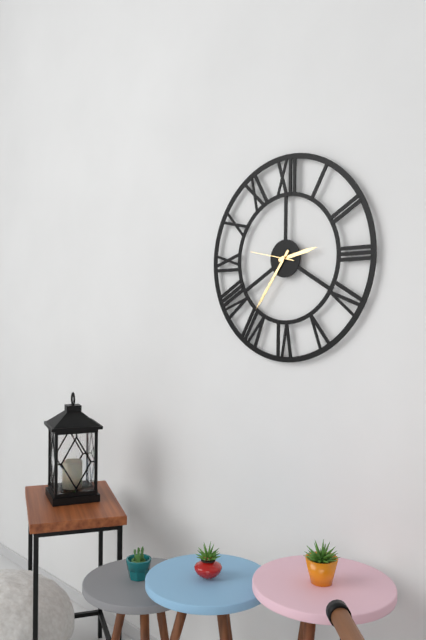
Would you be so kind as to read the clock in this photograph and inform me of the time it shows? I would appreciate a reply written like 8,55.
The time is 2,36
